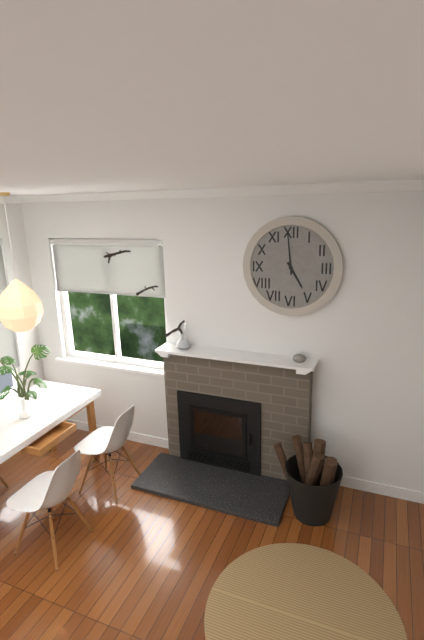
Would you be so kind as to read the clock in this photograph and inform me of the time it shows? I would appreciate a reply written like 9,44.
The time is 4,59
